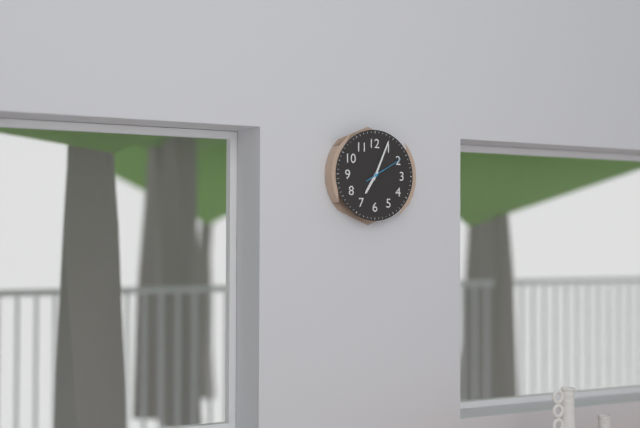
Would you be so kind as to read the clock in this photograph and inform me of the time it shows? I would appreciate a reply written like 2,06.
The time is 7,04
